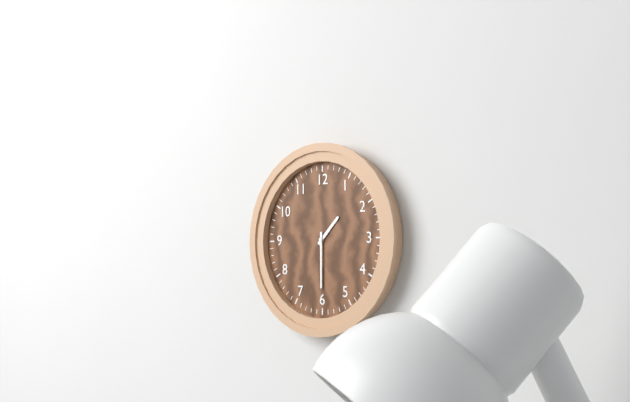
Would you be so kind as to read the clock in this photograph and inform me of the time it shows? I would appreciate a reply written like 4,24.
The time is 1,30
